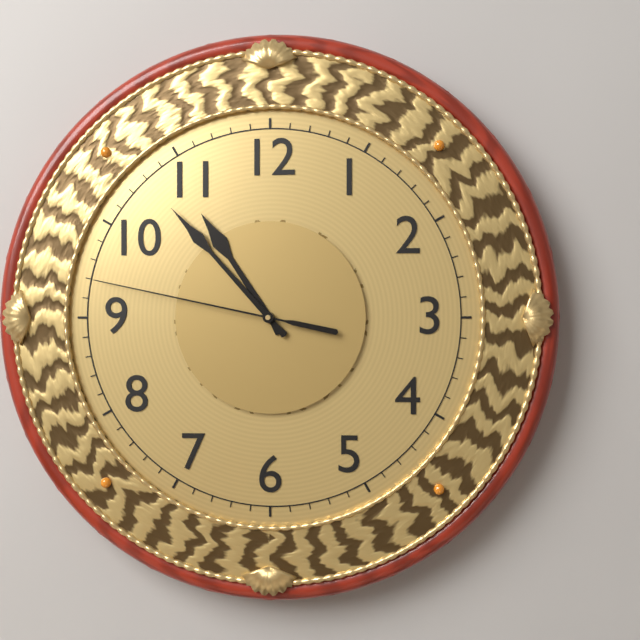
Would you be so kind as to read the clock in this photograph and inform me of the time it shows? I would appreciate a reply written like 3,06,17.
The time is 10,53,47
